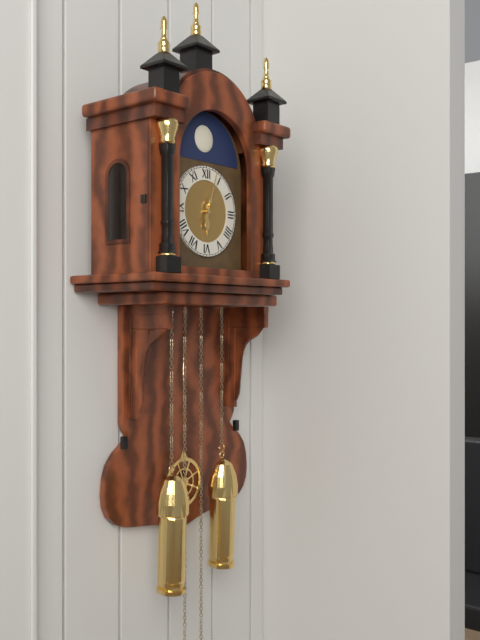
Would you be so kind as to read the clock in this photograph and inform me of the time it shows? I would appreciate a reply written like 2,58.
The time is 6,03
